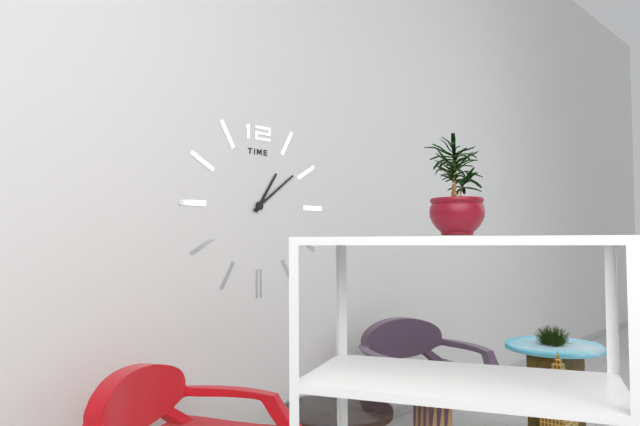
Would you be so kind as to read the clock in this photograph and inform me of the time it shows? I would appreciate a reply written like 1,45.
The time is 1,09
